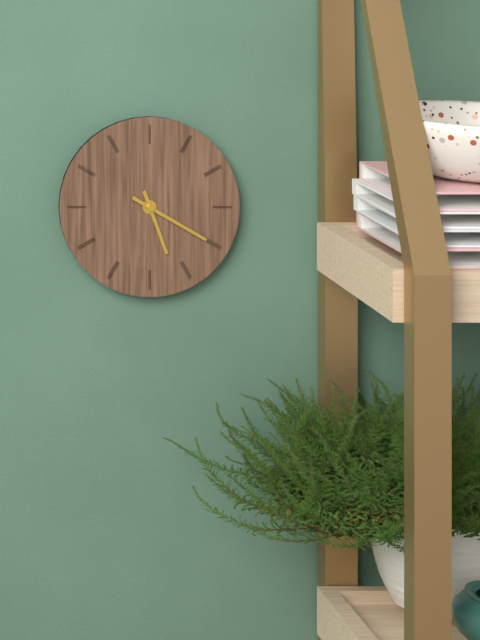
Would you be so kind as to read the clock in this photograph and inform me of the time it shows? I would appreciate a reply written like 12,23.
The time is 5,20
